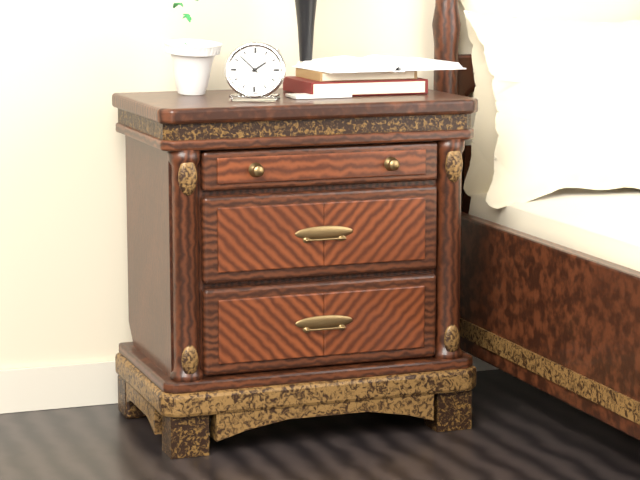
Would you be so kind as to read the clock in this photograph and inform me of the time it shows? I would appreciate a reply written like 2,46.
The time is 1,52
